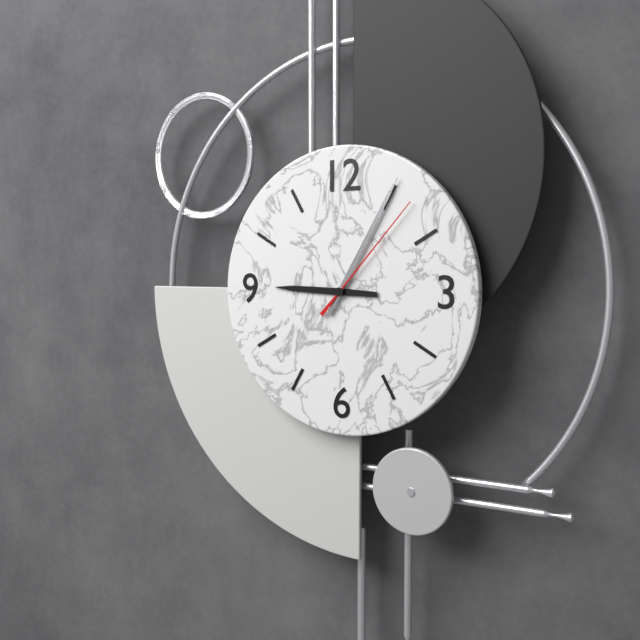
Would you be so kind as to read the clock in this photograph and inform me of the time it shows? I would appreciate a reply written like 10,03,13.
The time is 9,05,07
